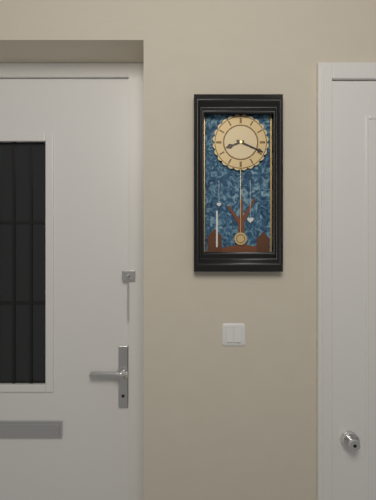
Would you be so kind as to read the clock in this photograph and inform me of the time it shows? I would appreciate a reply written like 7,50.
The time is 8,19
